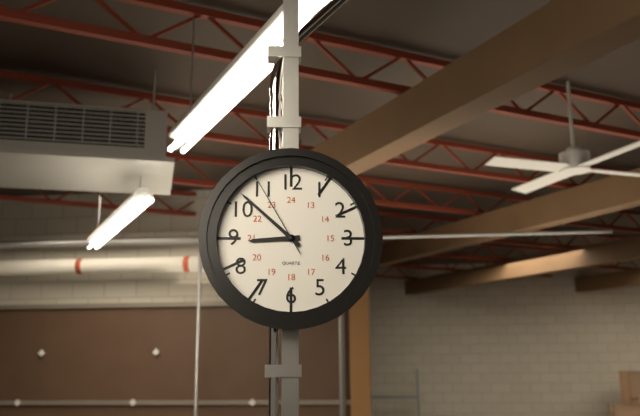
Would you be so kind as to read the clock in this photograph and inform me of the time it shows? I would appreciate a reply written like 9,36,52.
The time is 8,52,55
